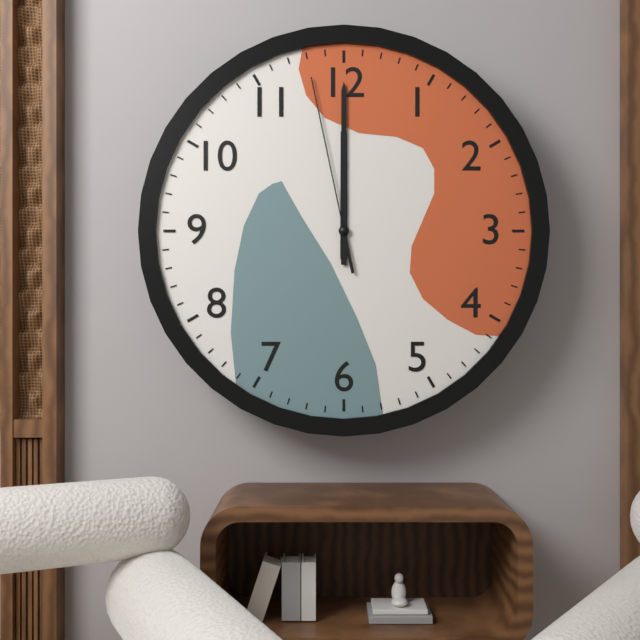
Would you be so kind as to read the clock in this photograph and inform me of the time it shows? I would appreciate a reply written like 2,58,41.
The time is 12,00,58
